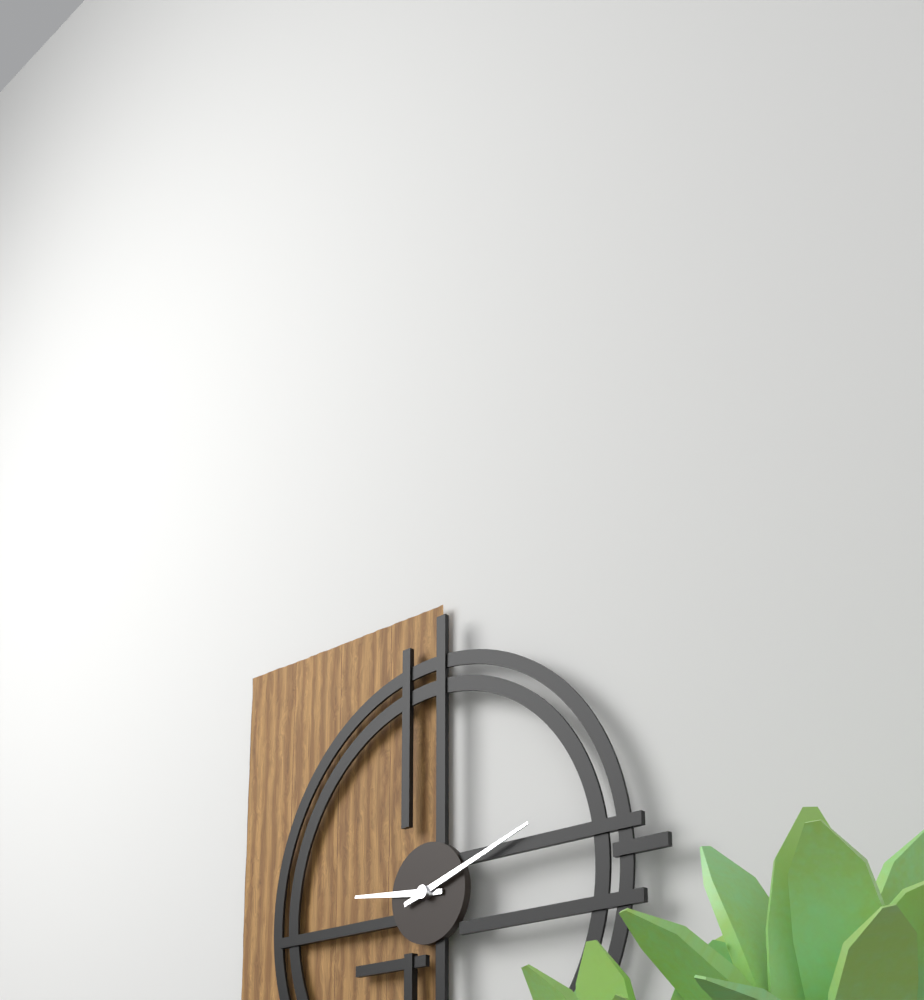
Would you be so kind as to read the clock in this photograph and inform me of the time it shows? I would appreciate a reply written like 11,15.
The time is 9,12
